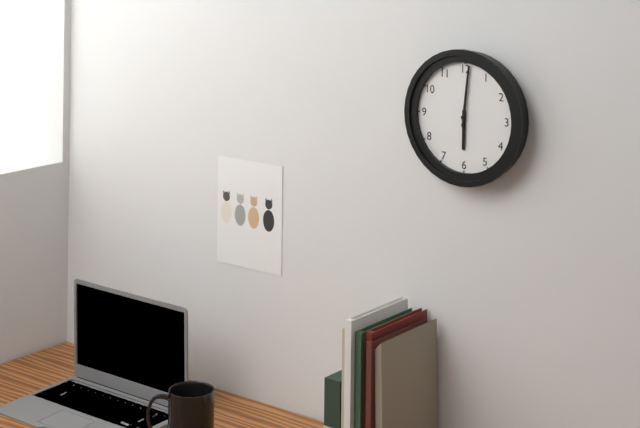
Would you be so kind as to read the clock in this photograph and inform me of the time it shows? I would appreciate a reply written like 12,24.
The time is 6,01
